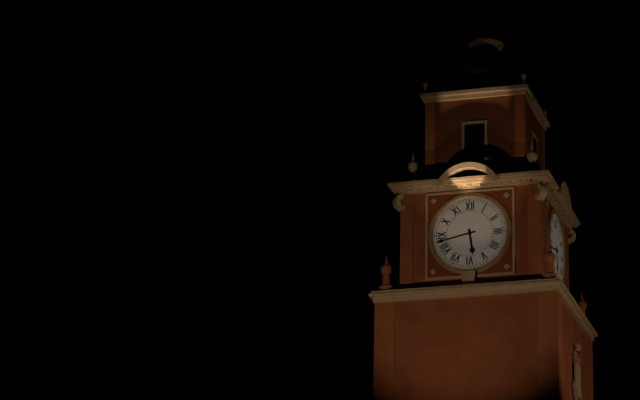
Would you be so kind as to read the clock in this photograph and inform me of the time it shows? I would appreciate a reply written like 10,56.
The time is 5,43
